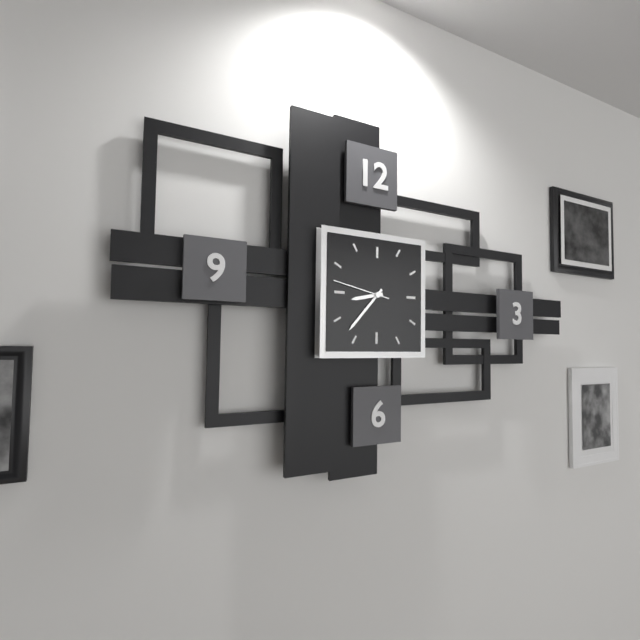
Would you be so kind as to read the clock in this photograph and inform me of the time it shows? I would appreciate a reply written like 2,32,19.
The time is 8,37,47
